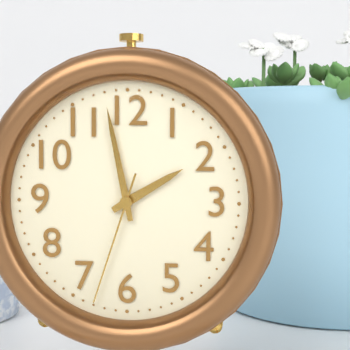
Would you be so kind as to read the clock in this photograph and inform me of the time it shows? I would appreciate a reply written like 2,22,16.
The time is 1,58,33
